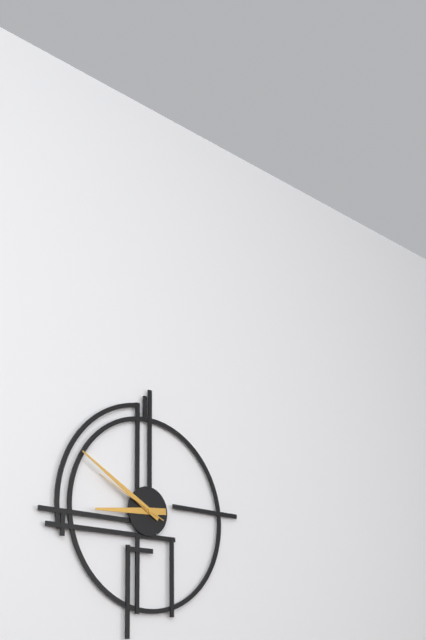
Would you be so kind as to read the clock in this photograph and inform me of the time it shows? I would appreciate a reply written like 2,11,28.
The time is 8,50,49
